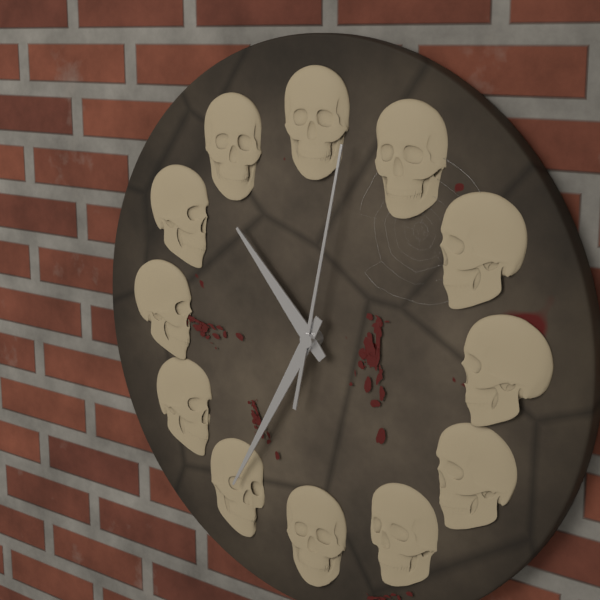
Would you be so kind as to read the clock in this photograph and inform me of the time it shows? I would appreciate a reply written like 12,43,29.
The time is 10,35,02
